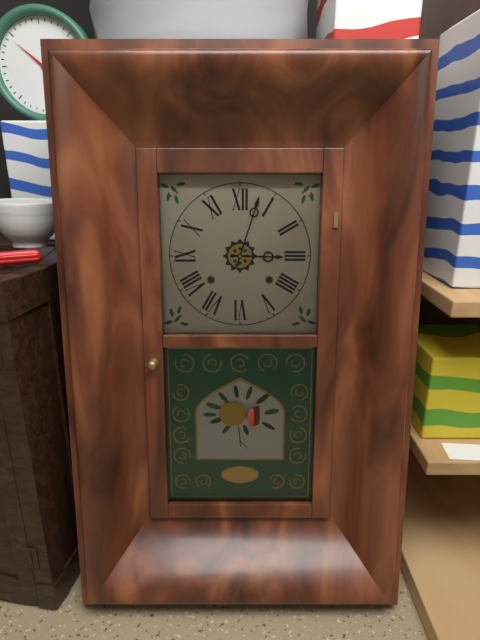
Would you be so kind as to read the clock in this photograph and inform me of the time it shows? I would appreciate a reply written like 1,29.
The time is 3,03
